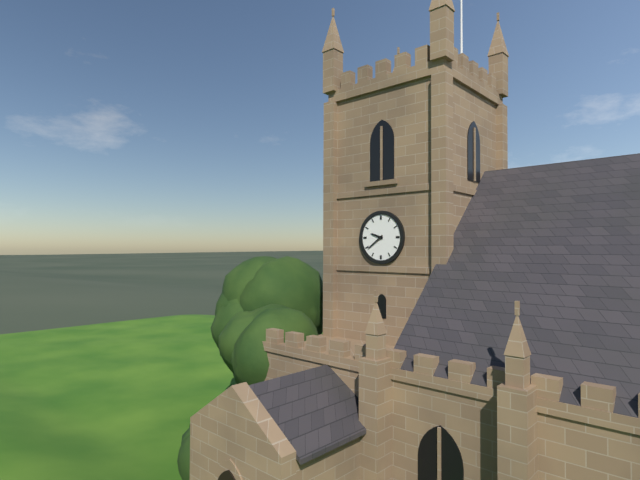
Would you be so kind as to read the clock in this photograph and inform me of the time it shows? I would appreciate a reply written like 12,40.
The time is 9,39
